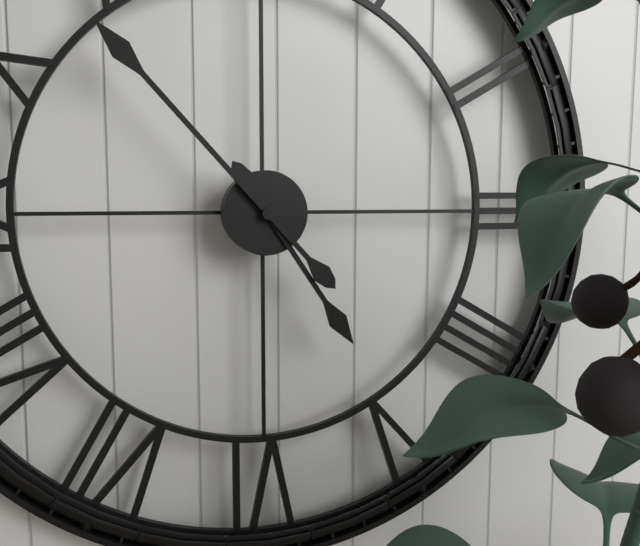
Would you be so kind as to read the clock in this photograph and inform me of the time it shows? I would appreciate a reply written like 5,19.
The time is 4,53
